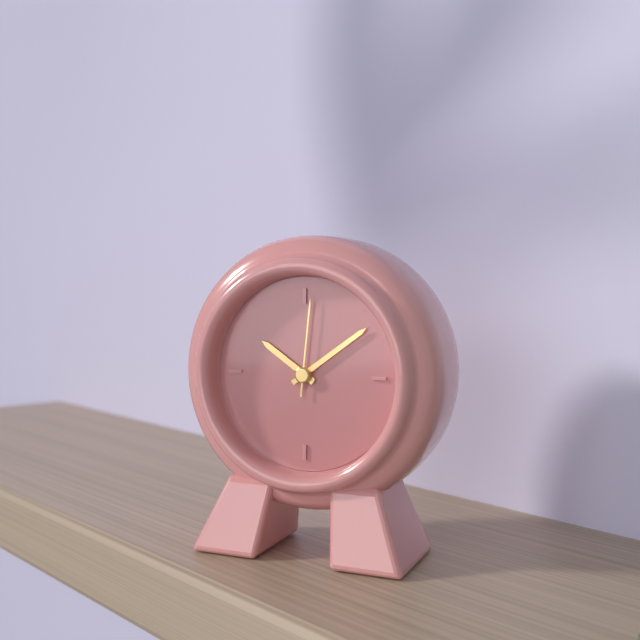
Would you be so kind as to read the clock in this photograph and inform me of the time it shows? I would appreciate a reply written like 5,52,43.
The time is 10,09,01
